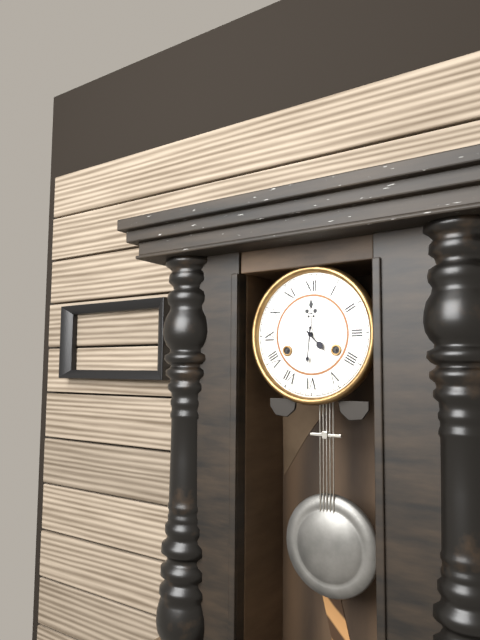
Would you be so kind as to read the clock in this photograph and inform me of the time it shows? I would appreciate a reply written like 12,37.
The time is 4,31
